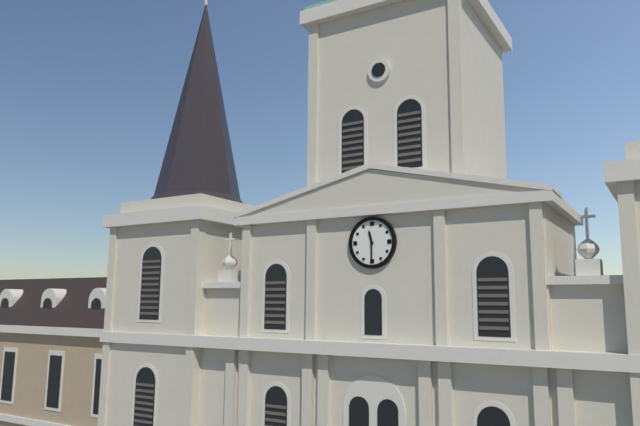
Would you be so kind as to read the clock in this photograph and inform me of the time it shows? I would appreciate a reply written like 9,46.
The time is 11,30
